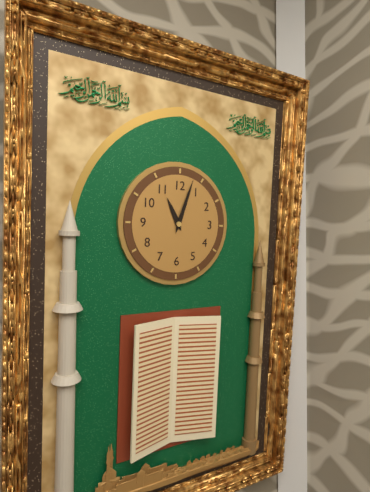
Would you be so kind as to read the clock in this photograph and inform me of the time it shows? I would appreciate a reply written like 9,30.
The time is 11,03
